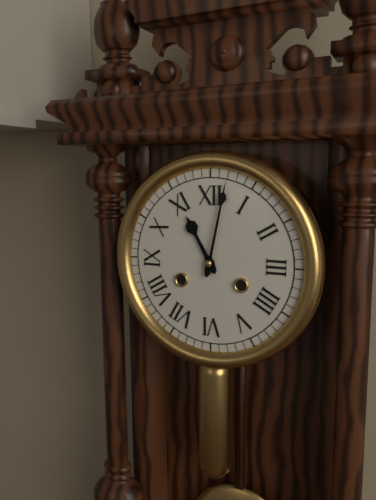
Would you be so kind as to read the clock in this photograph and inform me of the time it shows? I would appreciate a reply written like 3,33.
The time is 11,02
